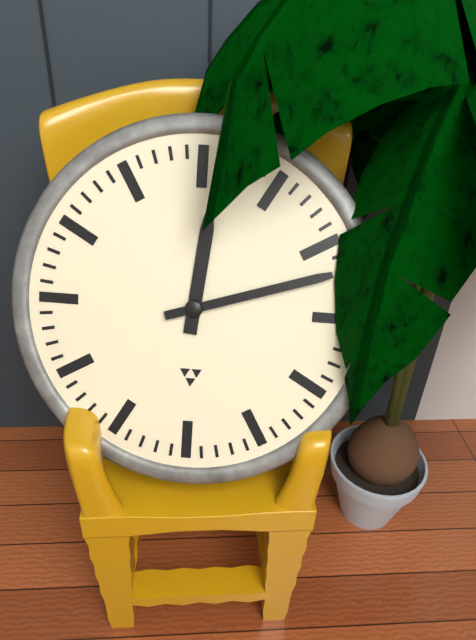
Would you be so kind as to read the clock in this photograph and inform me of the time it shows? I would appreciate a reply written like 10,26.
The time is 12,12
